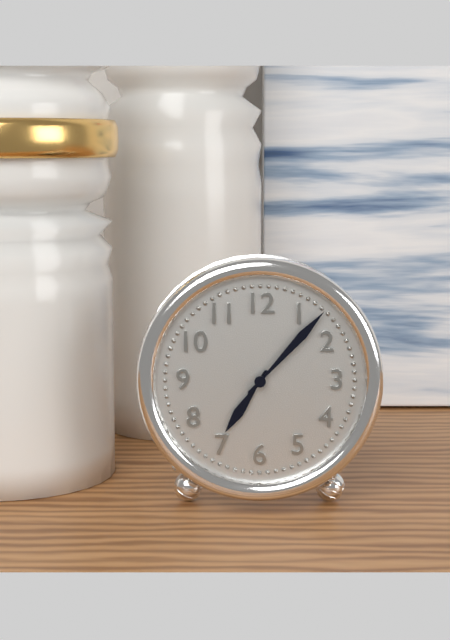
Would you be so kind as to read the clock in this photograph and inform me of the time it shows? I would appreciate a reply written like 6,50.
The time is 7,07
